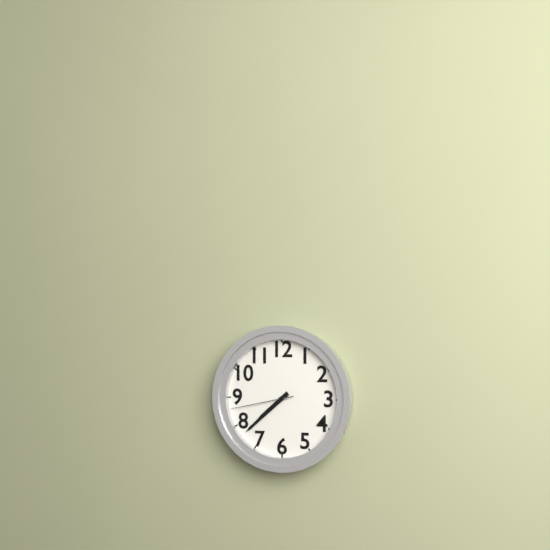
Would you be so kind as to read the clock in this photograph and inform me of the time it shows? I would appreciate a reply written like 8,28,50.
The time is 7,38,43
